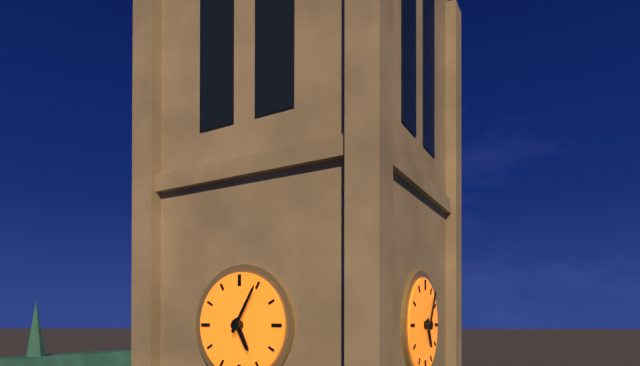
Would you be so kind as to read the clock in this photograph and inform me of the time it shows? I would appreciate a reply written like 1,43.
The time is 5,05
